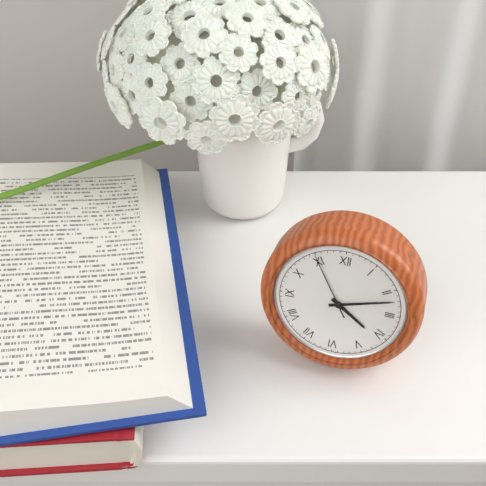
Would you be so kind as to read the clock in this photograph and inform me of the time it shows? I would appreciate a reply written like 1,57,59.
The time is 4,12,55
